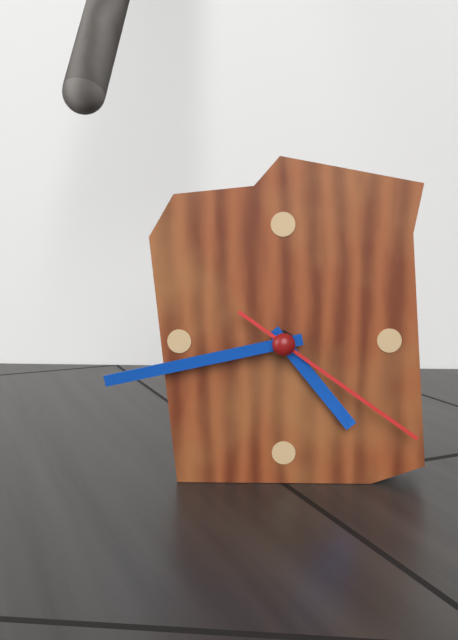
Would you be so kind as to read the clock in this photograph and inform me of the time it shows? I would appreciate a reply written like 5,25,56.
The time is 4,43,21
